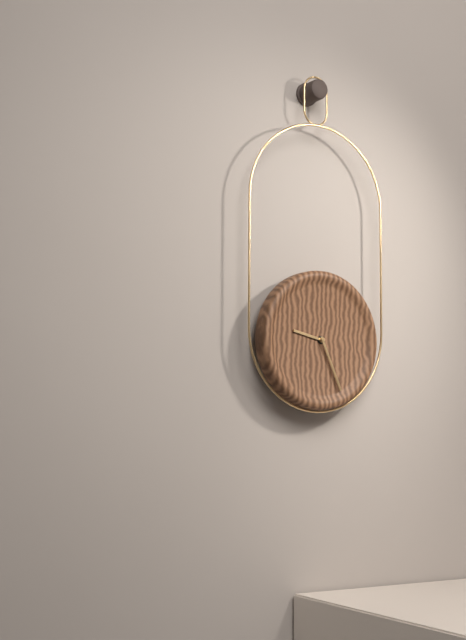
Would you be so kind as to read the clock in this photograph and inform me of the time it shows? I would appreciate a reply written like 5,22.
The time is 9,26
